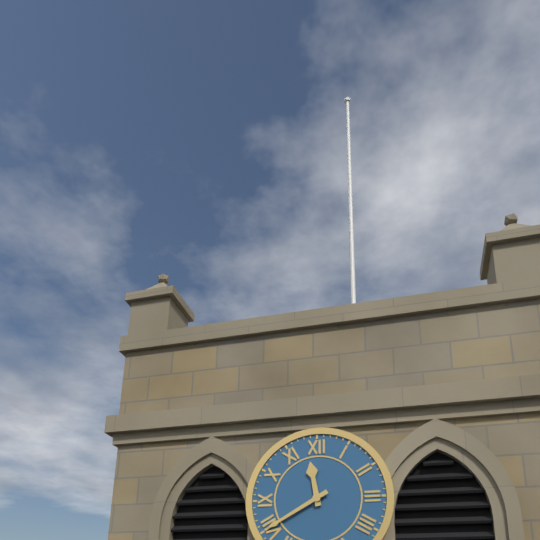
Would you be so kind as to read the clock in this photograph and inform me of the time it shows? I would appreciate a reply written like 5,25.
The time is 11,40
